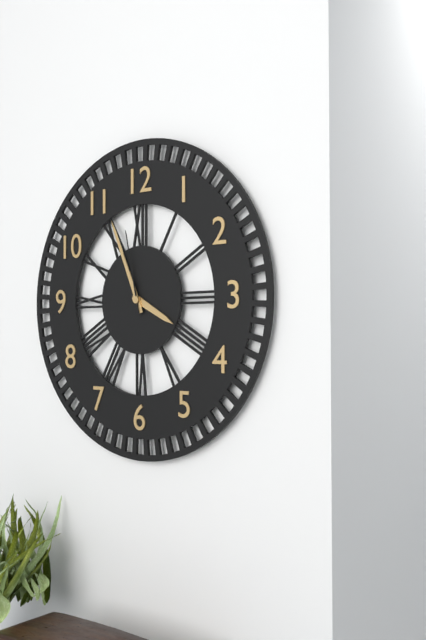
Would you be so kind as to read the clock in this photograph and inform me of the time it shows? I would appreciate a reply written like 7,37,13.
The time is 3,56,58
